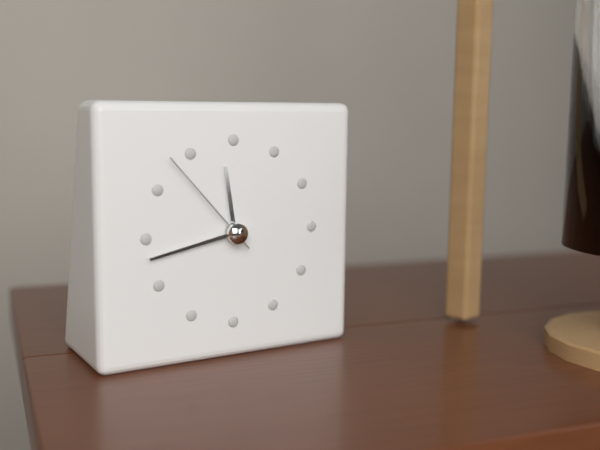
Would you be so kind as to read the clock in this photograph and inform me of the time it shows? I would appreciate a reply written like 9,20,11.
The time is 11,43,53
